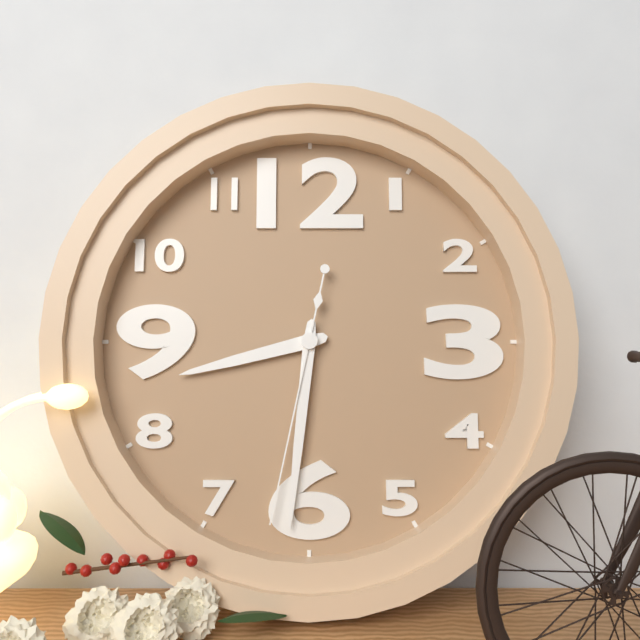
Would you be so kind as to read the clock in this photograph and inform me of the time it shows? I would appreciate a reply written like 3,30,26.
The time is 8,31,32
